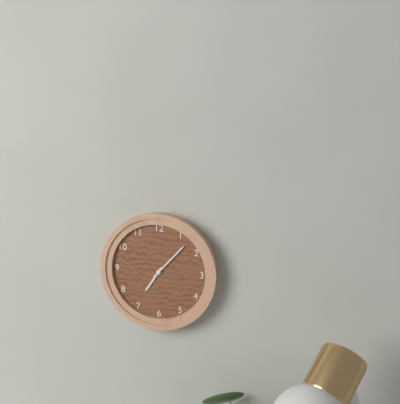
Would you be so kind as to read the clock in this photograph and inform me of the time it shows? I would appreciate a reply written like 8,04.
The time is 7,07
